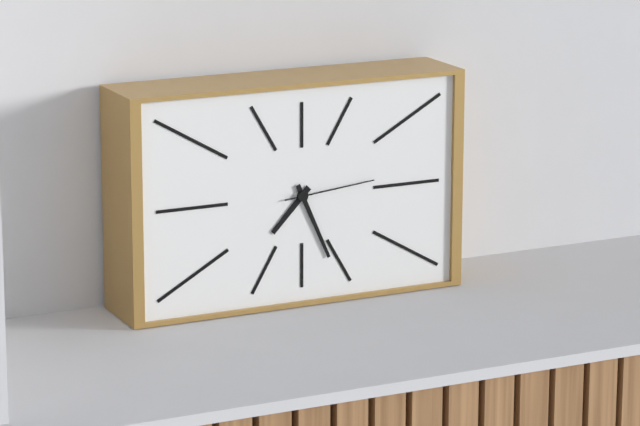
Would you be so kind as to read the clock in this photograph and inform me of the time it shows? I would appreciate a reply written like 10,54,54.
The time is 7,26,14
